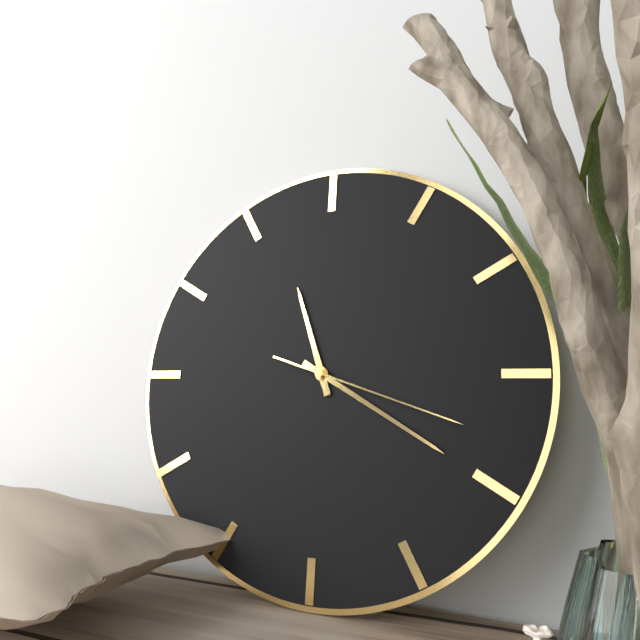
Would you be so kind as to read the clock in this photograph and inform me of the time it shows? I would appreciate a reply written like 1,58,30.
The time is 11,20,18
